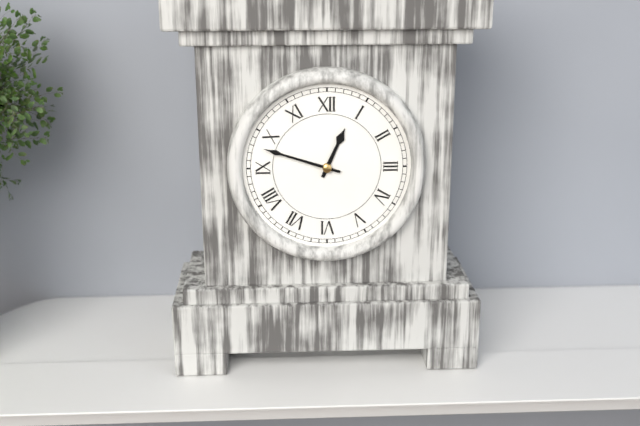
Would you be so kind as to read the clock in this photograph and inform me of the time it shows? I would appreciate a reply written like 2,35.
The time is 12,48
